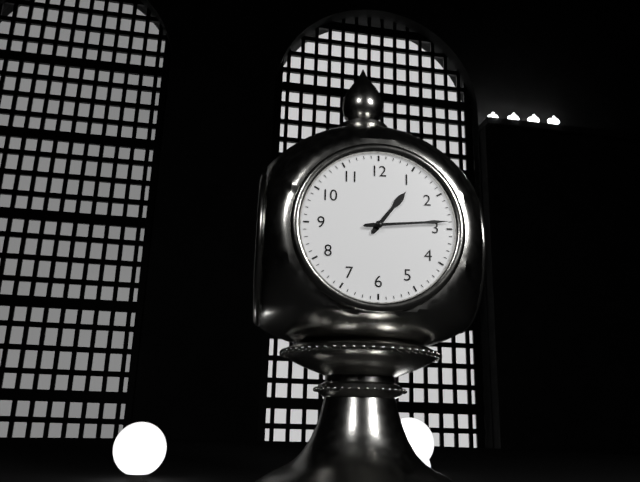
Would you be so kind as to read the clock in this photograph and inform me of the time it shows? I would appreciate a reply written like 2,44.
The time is 1,14
